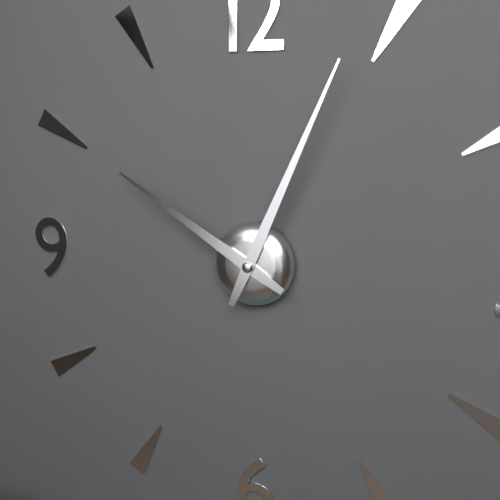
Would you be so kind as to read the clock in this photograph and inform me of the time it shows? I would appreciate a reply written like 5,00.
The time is 10,04
